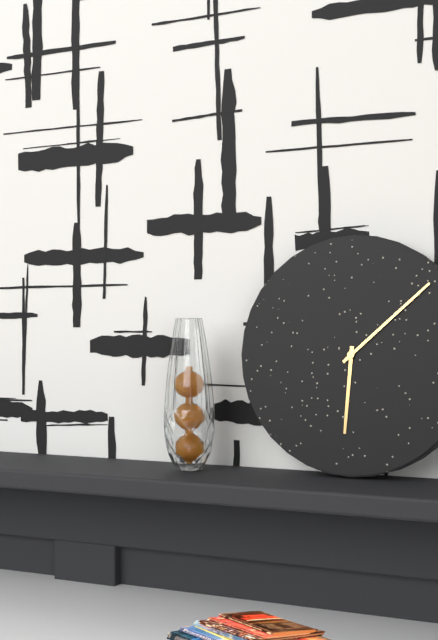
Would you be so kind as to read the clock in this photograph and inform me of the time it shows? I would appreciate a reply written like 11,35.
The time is 6,08
